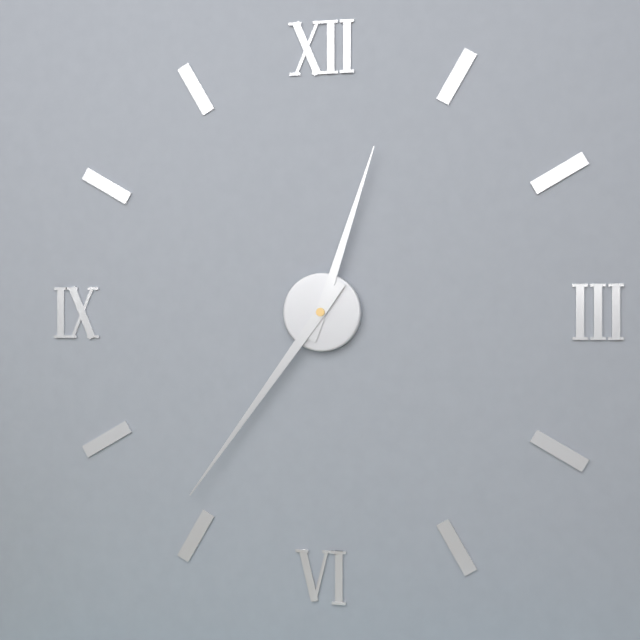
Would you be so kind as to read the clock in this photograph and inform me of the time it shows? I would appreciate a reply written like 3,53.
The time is 12,36
